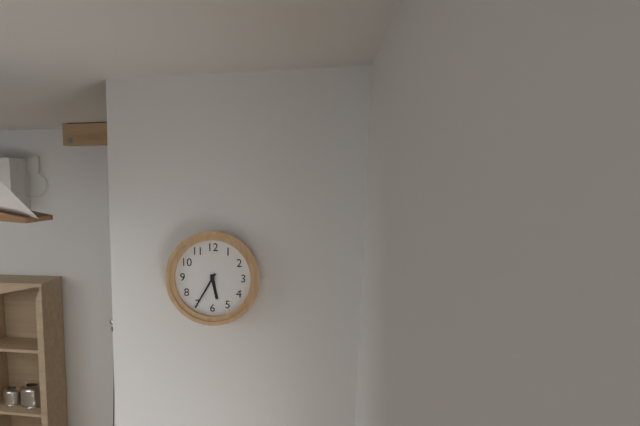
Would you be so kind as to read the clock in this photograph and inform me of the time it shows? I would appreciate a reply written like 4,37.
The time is 5,35
